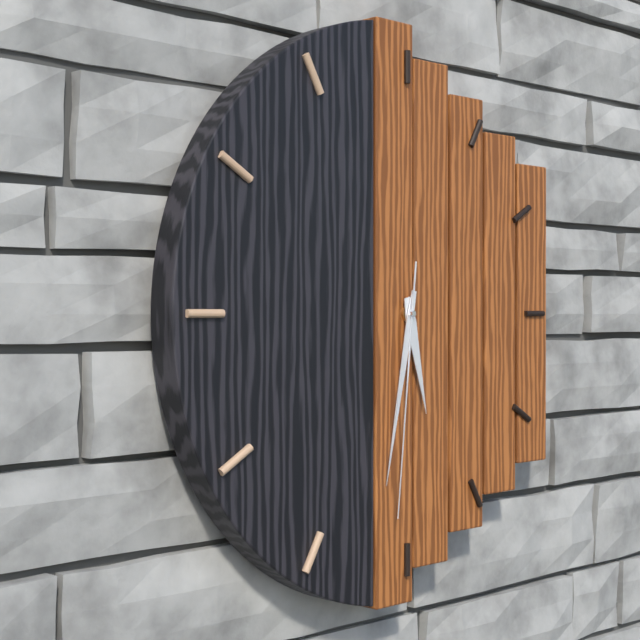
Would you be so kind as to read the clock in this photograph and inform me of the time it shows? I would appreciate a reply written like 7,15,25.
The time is 5,32,31
